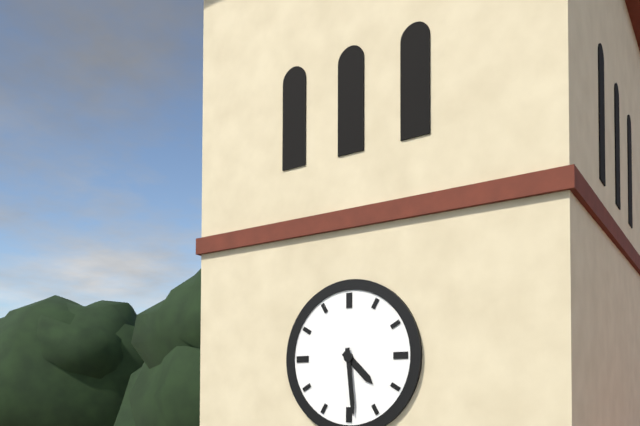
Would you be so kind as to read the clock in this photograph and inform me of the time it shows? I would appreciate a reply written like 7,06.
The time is 4,29
